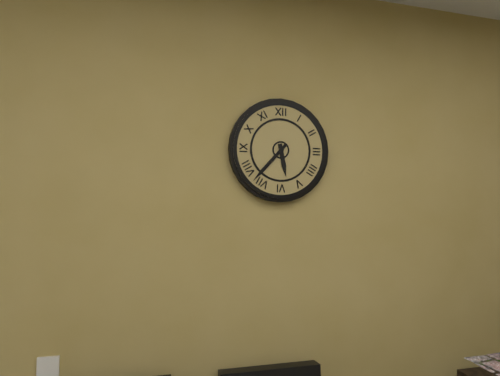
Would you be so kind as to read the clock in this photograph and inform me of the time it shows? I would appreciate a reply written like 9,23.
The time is 5,37
